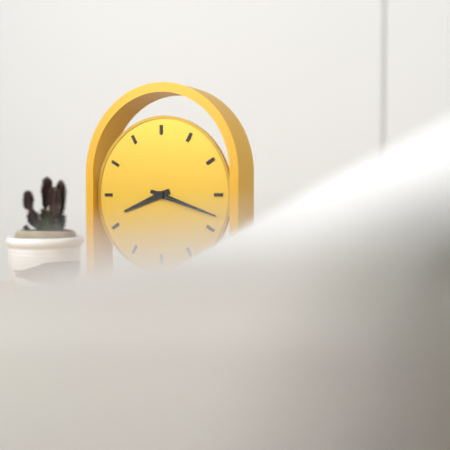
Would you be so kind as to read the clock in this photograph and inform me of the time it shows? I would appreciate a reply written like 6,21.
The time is 8,18
